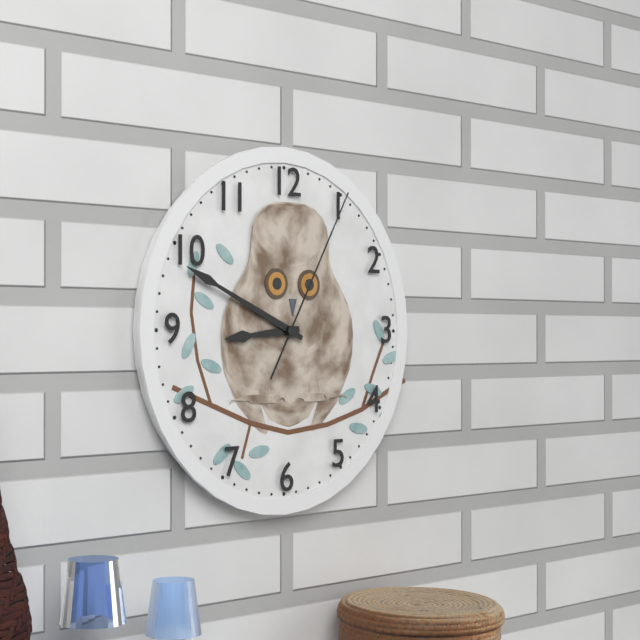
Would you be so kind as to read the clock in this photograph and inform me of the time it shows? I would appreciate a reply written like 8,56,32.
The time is 8,49,05
